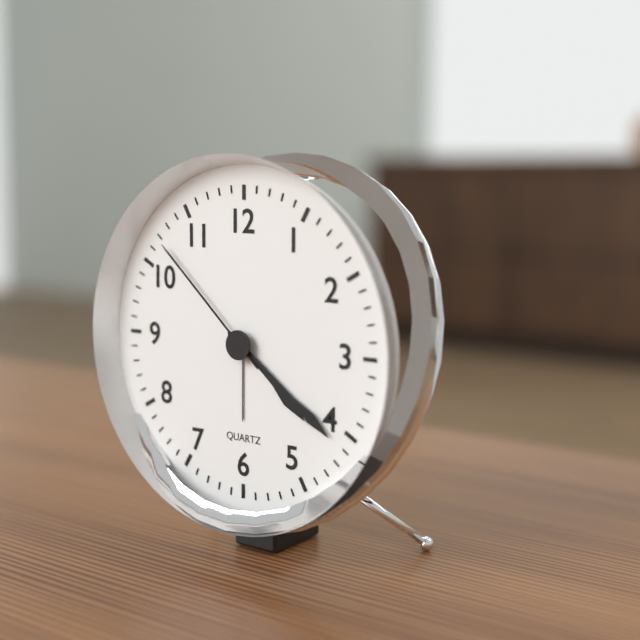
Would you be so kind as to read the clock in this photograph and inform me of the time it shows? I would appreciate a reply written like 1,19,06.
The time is 4,21,52
